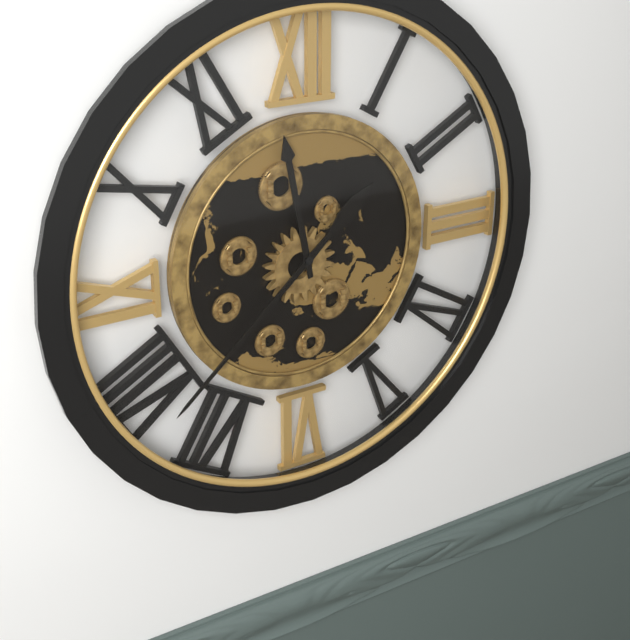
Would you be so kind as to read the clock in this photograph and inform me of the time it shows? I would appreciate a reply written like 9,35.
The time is 11,38
